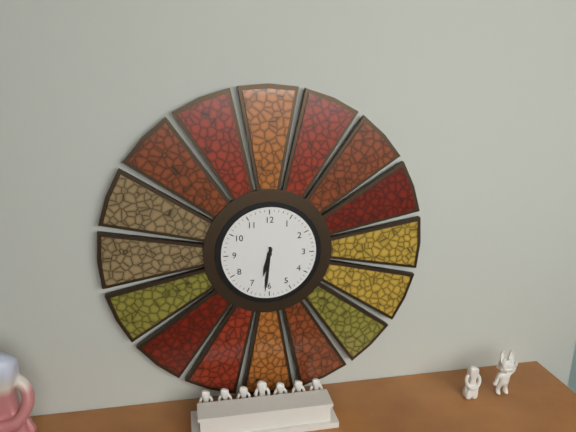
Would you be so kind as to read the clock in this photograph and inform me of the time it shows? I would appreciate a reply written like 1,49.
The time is 6,31
